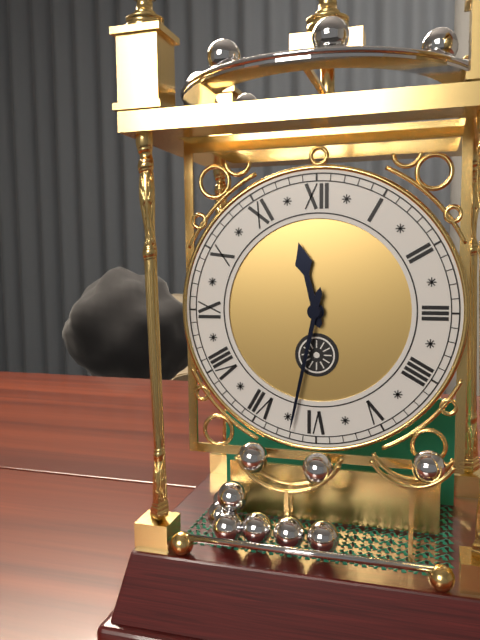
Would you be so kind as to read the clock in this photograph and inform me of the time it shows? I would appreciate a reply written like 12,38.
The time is 11,32
